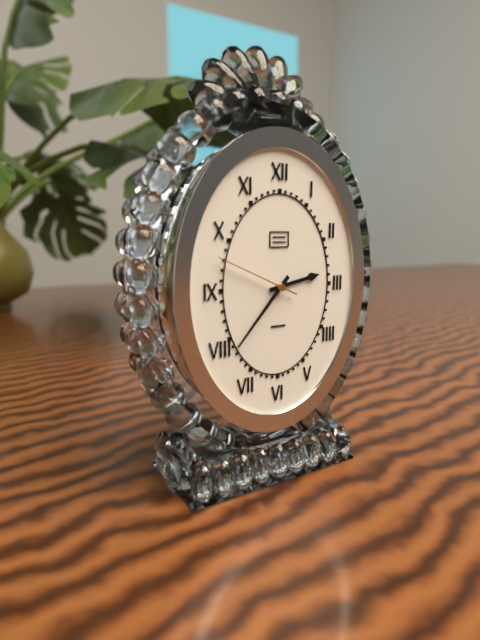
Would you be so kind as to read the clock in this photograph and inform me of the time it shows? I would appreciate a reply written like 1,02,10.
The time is 2,37,49
